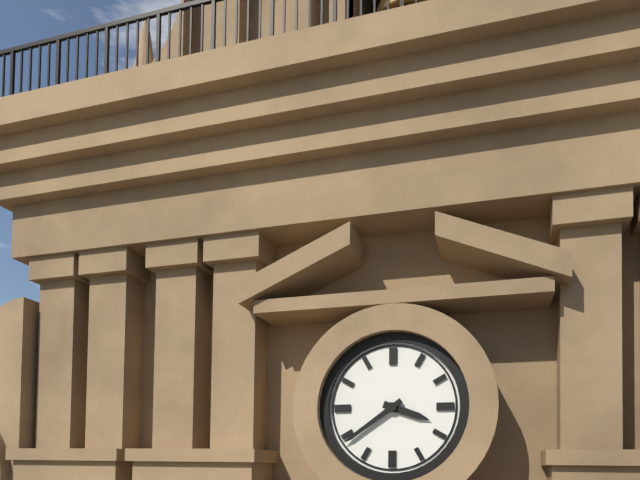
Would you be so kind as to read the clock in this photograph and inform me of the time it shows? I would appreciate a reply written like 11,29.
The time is 3,39
